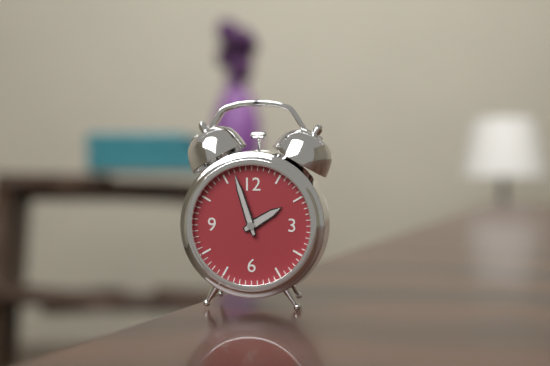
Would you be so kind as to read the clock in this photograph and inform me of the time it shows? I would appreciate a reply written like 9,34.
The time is 1,57
